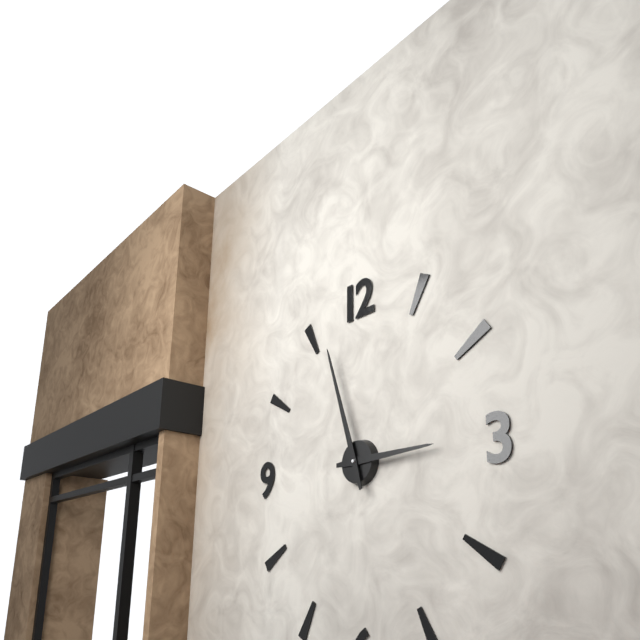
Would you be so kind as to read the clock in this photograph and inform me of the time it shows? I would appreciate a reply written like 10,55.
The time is 2,57
